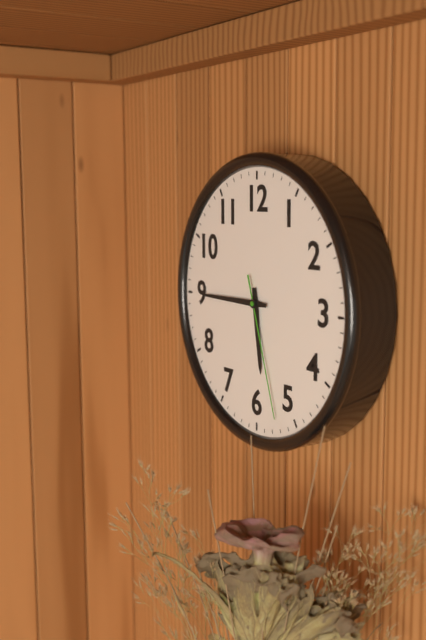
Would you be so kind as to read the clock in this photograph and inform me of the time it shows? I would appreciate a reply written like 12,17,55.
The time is 5,45,27
